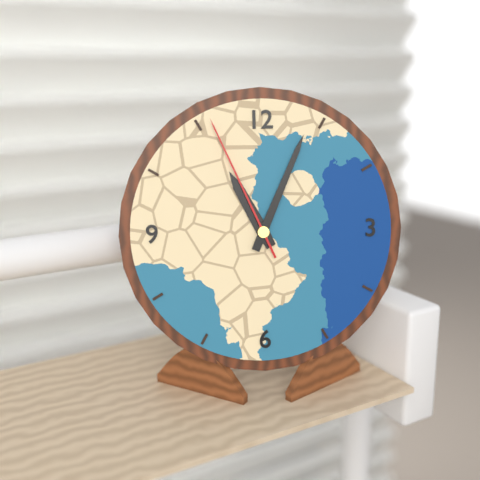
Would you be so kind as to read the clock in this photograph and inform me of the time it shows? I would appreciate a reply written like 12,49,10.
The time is 11,04,56
